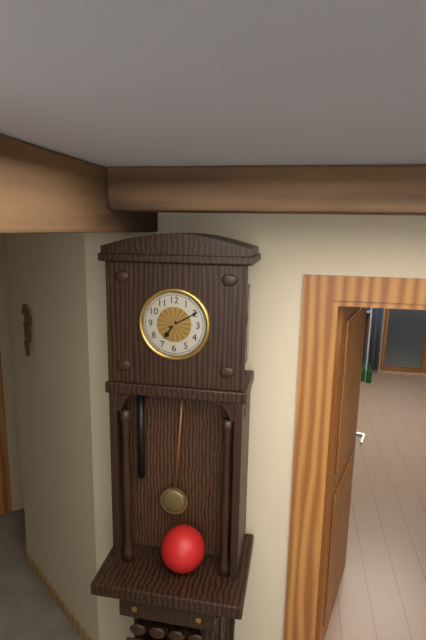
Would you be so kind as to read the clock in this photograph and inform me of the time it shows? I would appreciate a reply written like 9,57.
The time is 7,10
